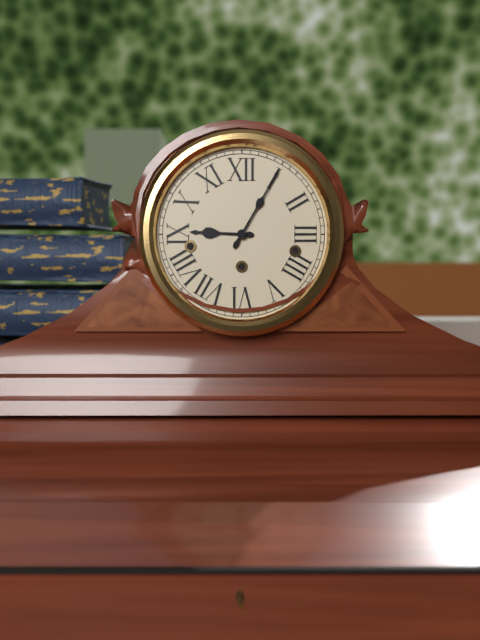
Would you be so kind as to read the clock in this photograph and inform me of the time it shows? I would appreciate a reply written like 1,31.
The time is 9,05
